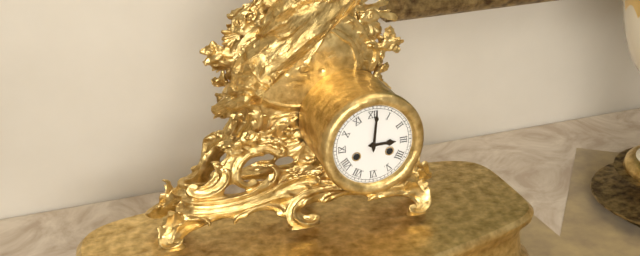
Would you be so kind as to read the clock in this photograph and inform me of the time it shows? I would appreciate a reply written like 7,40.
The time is 3,01
